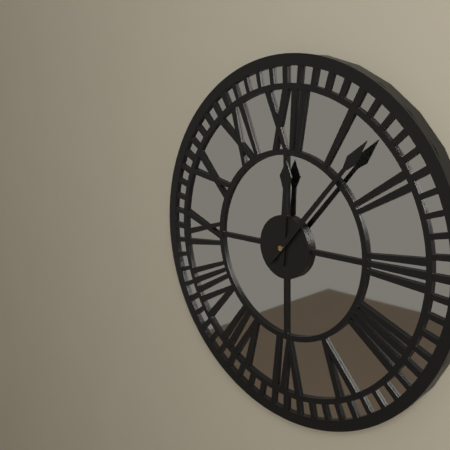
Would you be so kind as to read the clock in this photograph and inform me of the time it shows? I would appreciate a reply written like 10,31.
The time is 12,07
